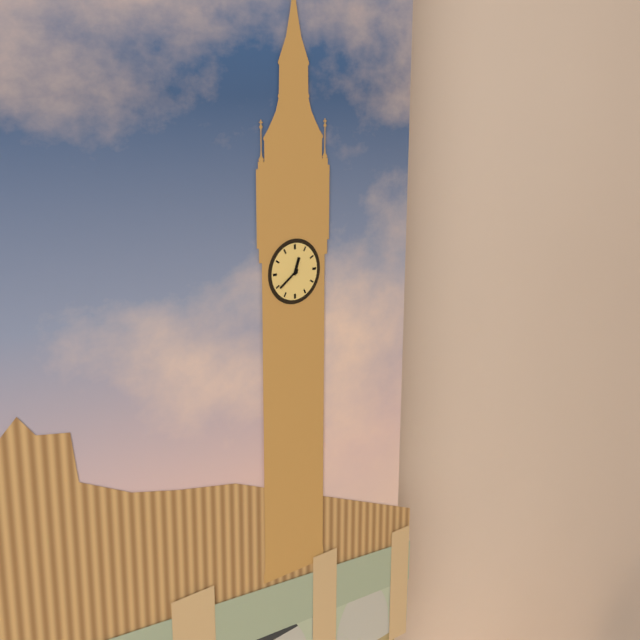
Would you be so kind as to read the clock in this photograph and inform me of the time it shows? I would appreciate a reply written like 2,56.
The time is 12,39
